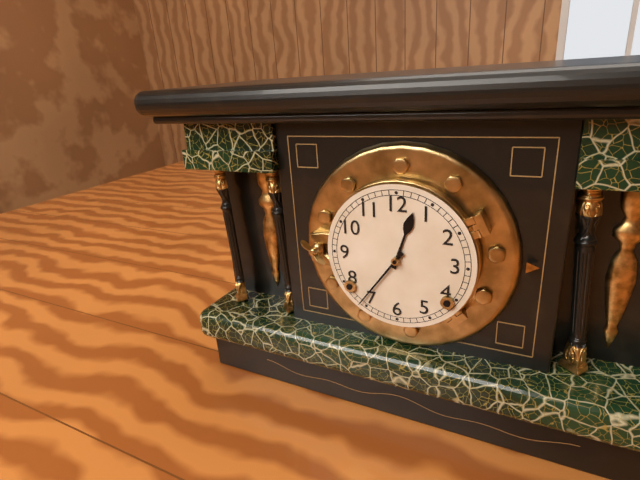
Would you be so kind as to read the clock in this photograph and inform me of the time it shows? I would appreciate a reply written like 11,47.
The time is 12,36
